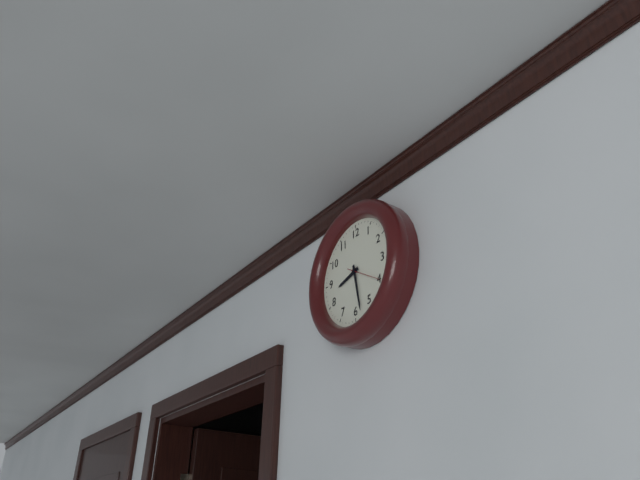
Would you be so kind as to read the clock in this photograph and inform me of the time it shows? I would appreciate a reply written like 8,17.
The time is 8,28
